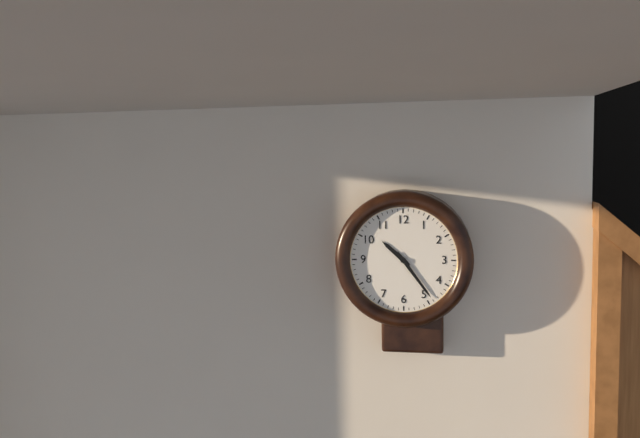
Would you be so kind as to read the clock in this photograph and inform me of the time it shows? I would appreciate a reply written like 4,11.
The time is 10,24
